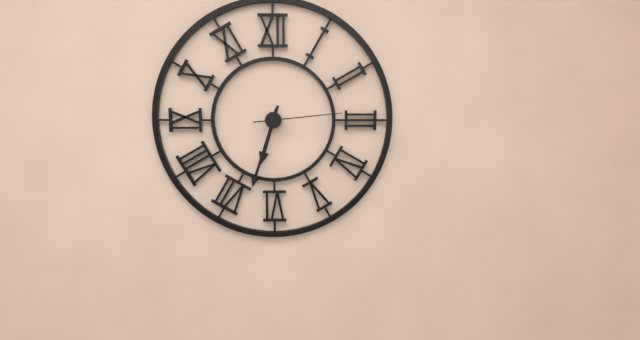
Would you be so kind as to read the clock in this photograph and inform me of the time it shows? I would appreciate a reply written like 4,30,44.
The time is 6,33,14
